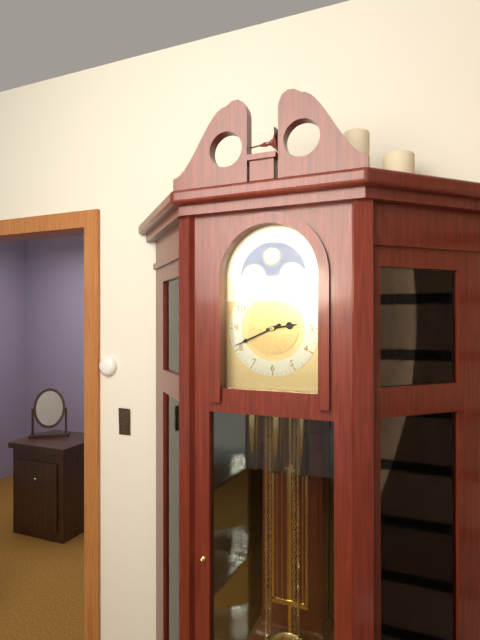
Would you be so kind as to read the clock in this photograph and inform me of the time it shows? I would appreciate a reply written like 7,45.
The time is 2,41
